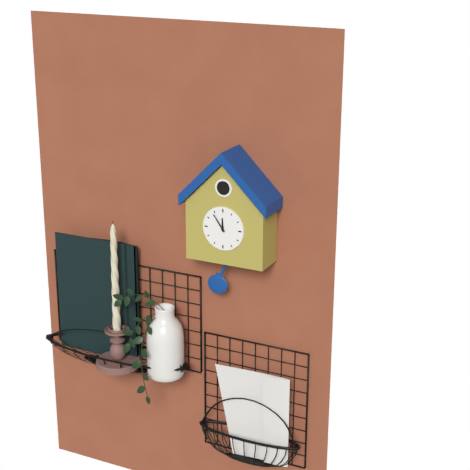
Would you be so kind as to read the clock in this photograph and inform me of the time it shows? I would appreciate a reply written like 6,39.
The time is 11,54
